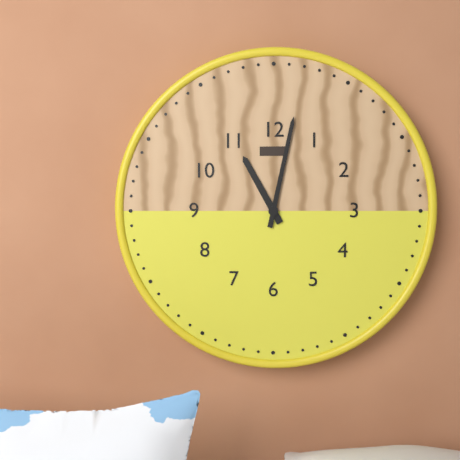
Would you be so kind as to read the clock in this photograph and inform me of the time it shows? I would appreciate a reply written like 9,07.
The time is 11,02
